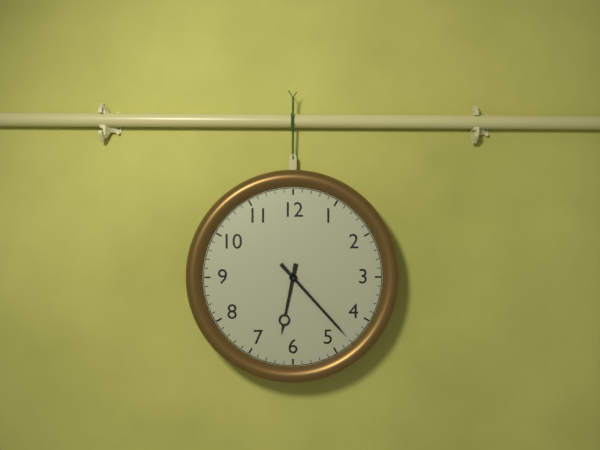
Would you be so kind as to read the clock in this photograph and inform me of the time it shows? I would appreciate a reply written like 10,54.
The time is 6,23
